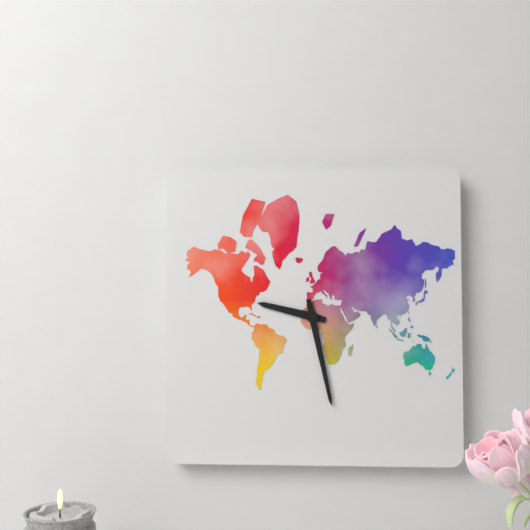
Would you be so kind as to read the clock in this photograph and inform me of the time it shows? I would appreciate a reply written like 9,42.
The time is 9,28
